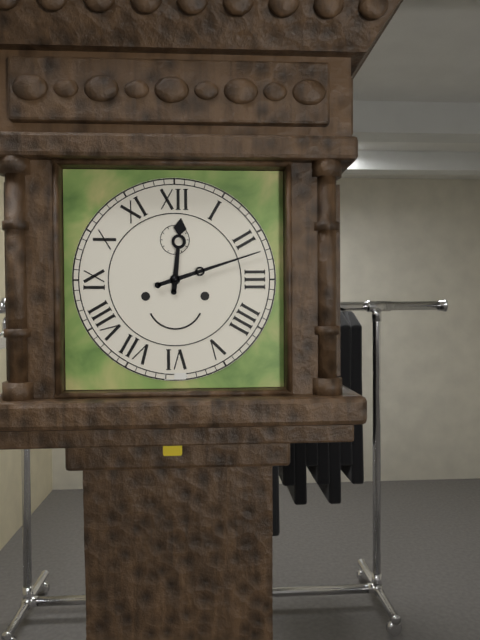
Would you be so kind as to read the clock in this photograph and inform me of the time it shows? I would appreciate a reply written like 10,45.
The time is 12,12
